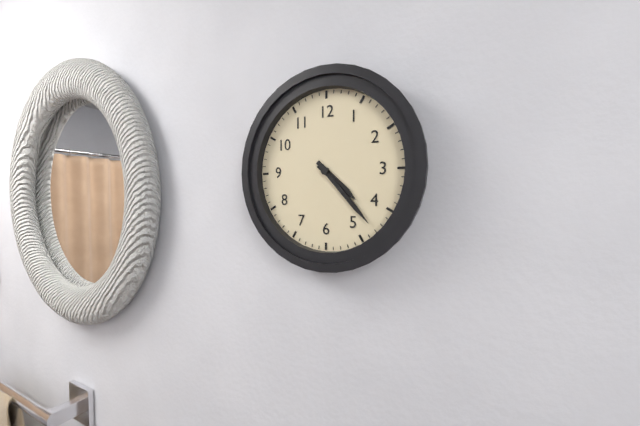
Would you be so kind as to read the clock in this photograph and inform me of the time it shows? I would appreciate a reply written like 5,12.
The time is 4,23
